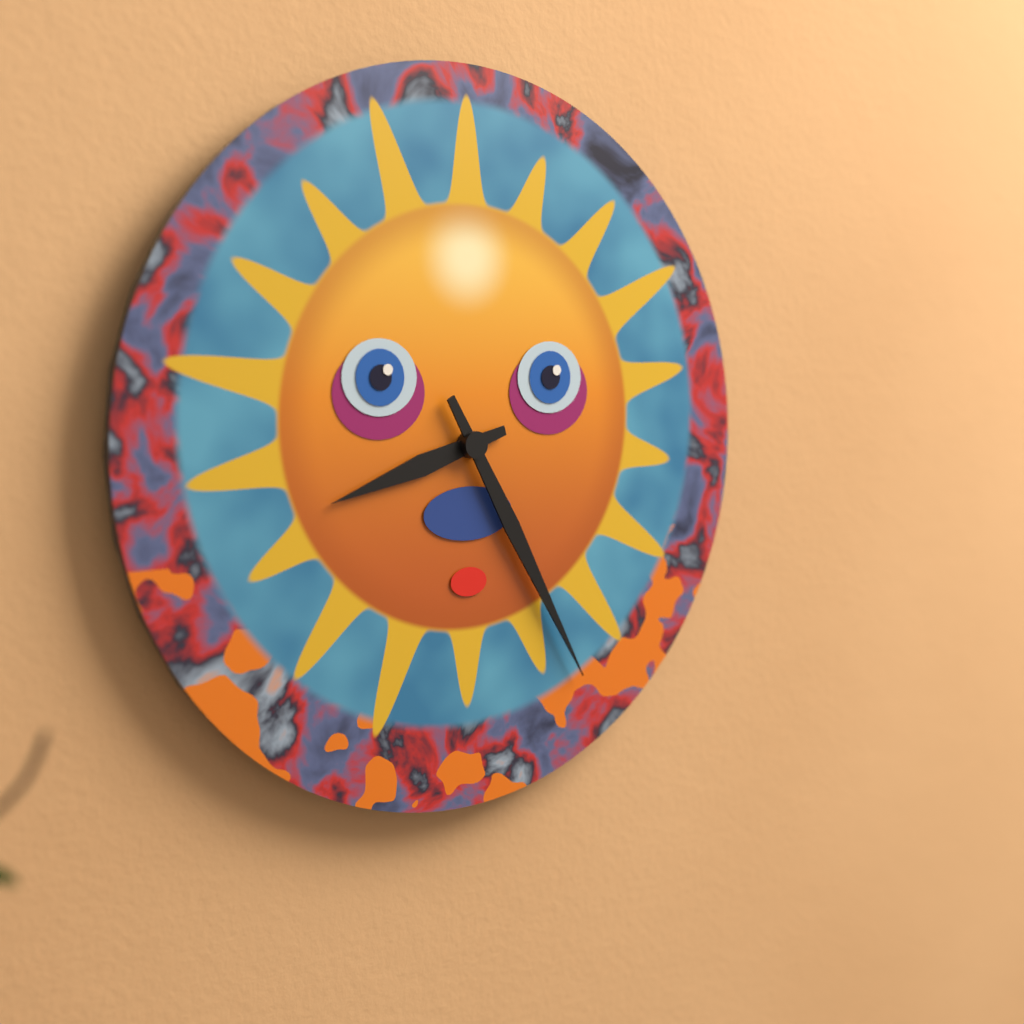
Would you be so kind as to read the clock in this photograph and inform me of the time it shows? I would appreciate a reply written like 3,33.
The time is 8,25
